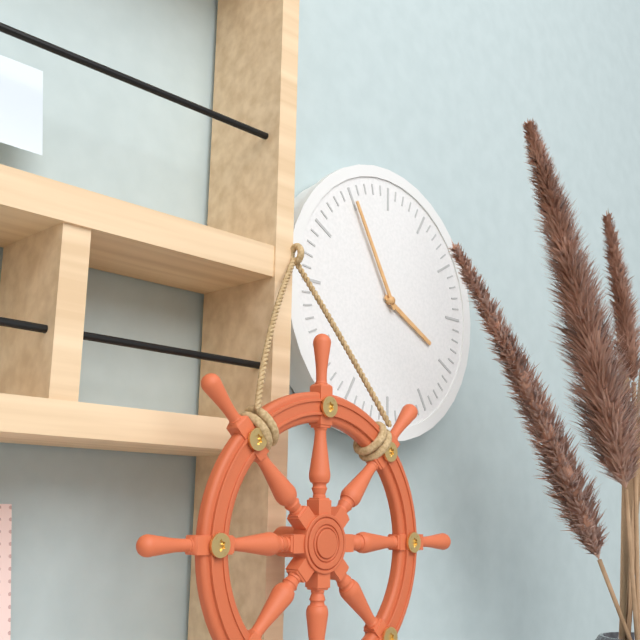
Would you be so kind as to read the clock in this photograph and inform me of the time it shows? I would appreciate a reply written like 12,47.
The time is 3,55
